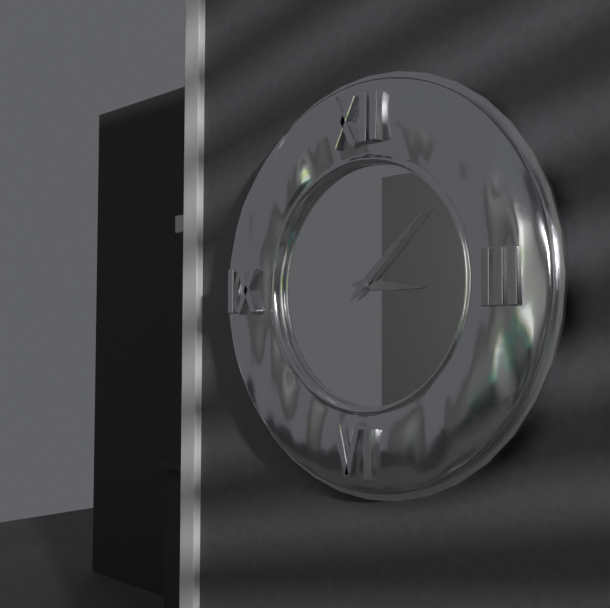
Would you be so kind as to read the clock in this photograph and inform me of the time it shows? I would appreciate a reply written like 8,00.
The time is 3,08
